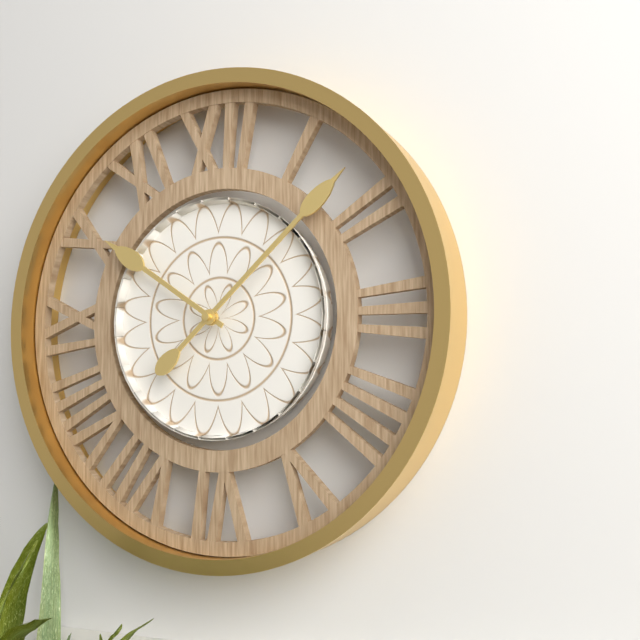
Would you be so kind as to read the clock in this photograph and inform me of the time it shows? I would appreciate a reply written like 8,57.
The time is 10,08
